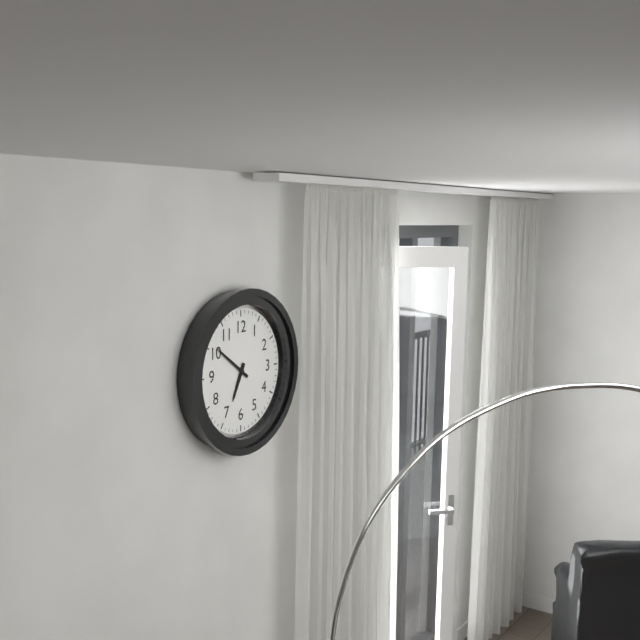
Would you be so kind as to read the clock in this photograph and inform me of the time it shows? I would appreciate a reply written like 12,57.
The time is 6,51
